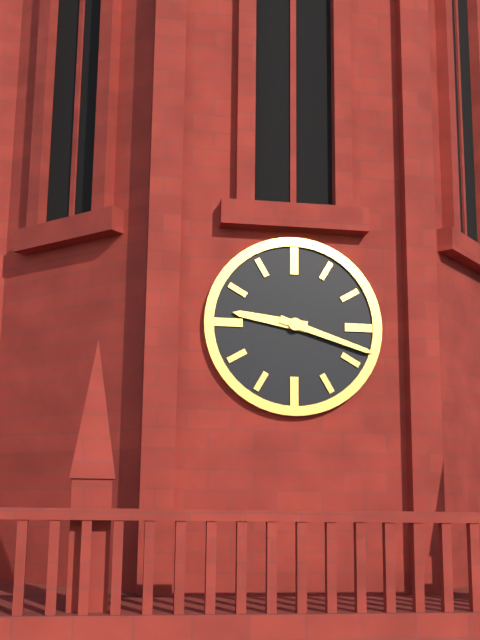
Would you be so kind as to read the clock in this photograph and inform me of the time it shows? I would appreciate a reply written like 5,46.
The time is 9,18
